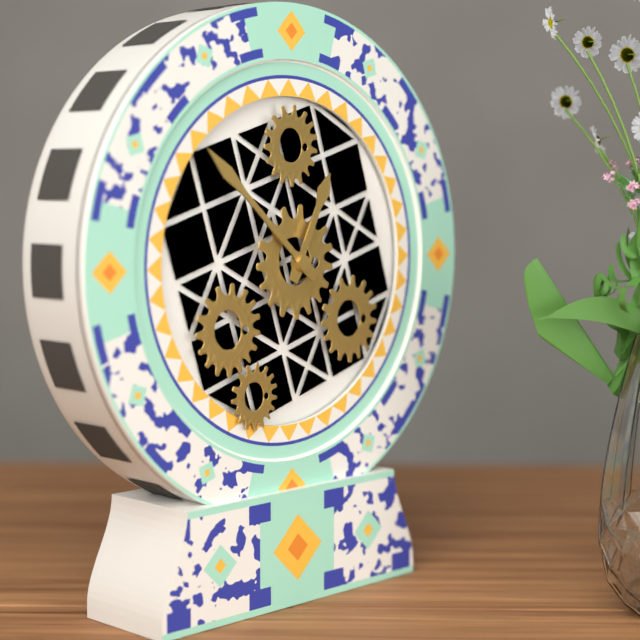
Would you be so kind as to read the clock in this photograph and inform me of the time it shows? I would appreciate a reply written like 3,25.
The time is 12,52
